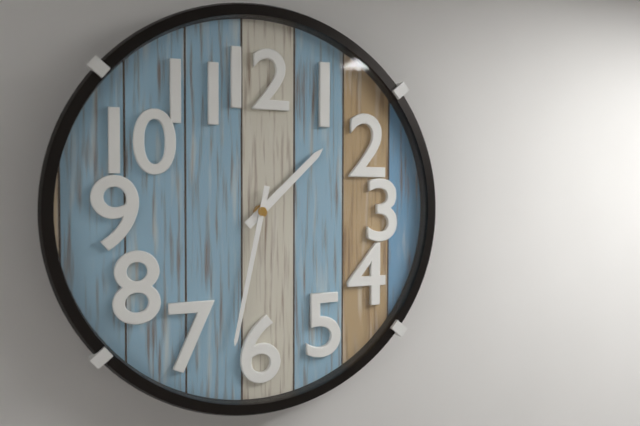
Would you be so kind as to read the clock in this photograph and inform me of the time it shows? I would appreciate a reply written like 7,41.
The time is 1,32
